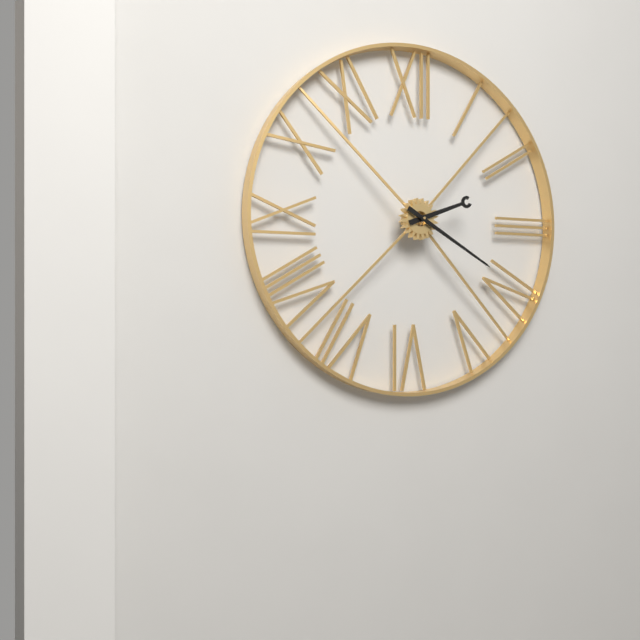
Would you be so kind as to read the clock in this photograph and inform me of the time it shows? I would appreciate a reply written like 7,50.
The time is 2,20
